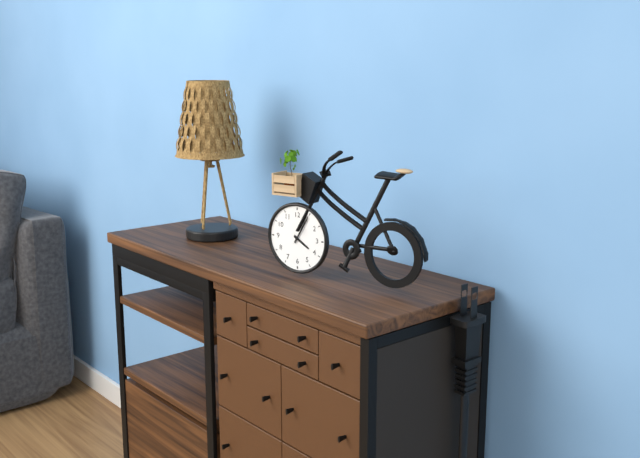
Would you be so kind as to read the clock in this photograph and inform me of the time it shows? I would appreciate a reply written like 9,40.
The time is 4,05
